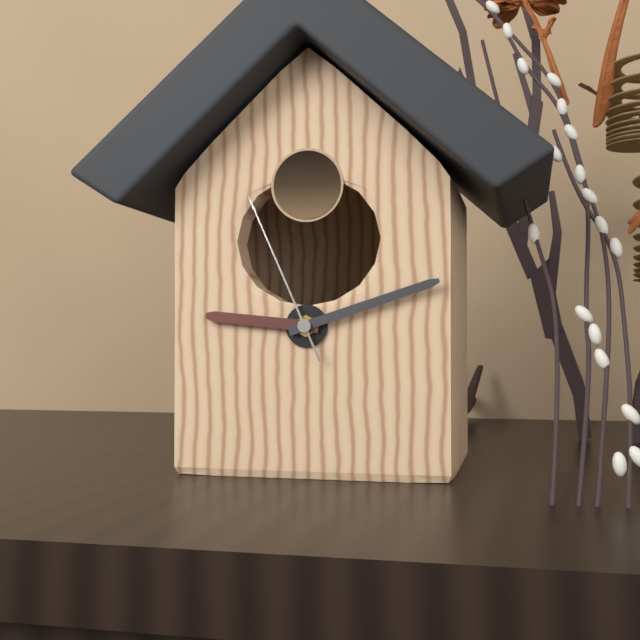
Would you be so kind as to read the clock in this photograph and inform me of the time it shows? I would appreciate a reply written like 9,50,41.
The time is 9,12,56
